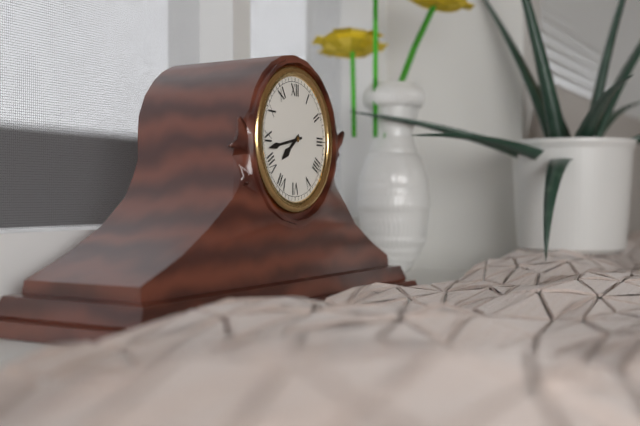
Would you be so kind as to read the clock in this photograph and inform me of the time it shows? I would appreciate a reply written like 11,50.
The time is 7,43
